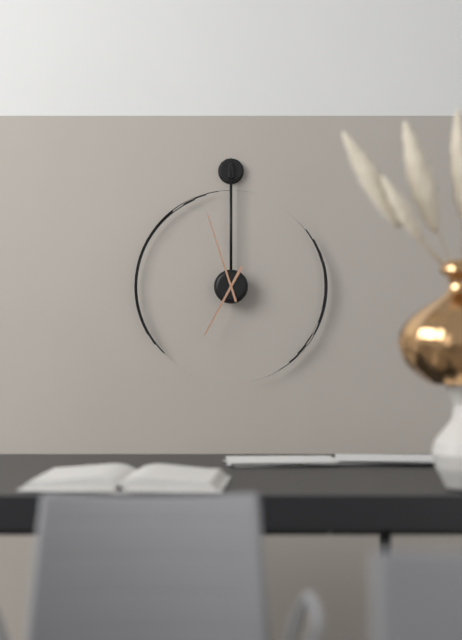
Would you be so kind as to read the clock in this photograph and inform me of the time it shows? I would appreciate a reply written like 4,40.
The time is 6,57
